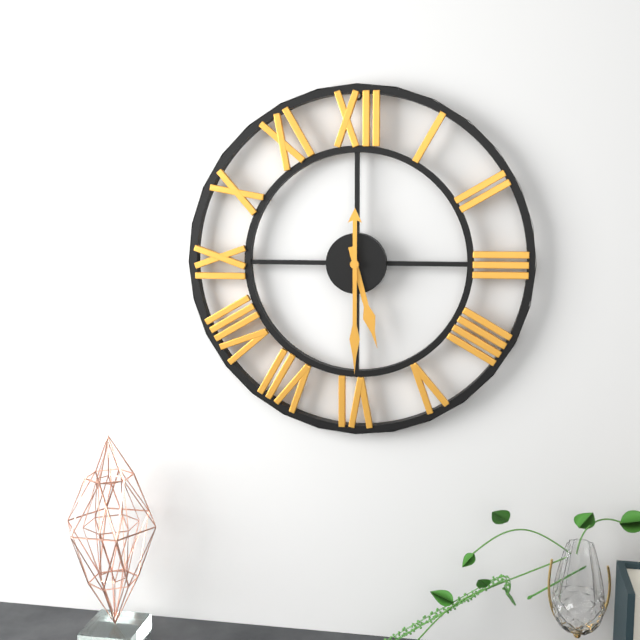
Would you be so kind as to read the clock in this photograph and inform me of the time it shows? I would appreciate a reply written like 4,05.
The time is 5,30
